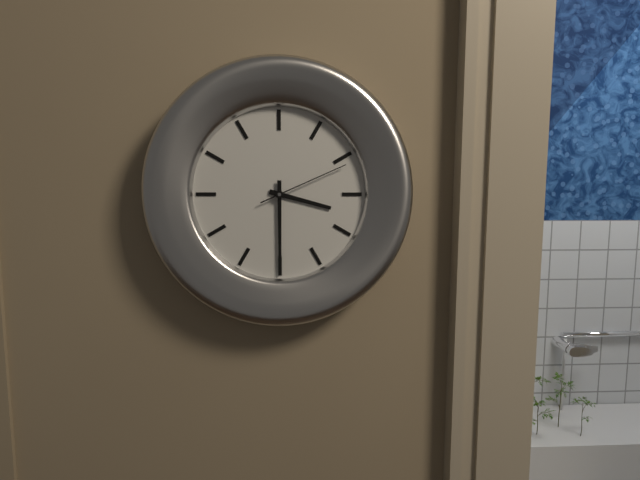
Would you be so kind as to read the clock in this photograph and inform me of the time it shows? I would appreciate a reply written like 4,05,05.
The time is 3,30,11
